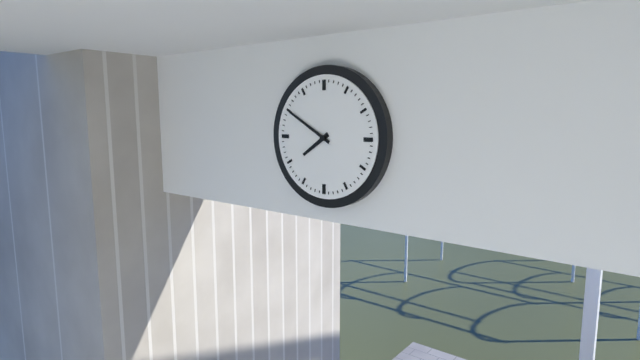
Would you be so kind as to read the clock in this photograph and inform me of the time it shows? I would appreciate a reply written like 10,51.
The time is 7,50
